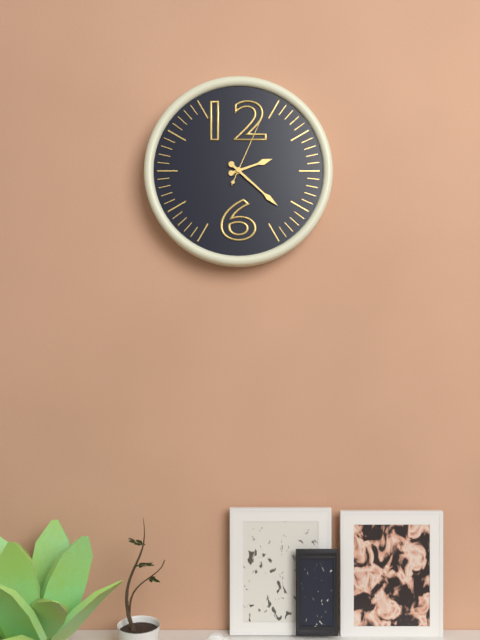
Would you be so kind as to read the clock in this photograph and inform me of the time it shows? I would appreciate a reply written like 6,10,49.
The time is 2,22,04
